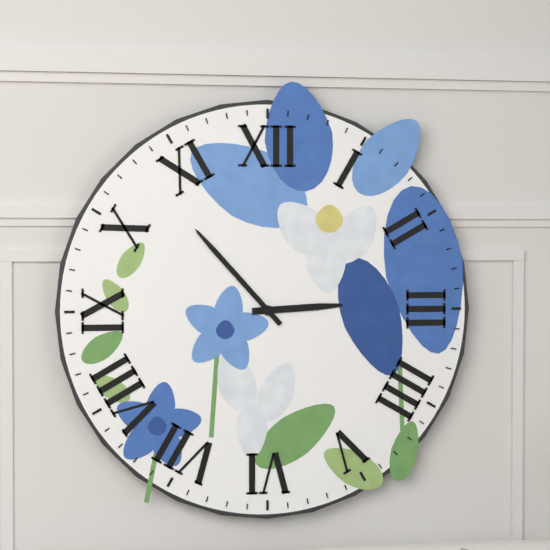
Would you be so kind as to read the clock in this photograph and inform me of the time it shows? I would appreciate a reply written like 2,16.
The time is 2,53
